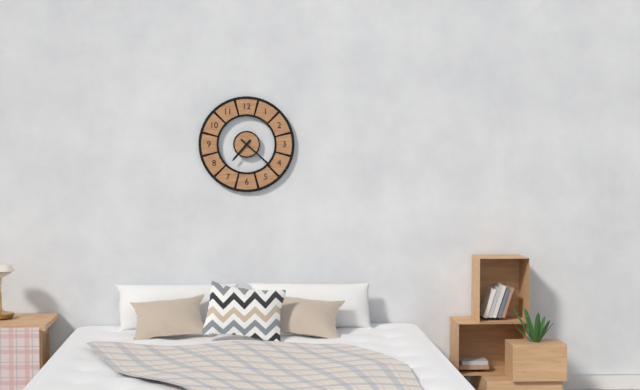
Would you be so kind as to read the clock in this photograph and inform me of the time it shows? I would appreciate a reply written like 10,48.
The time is 7,22
